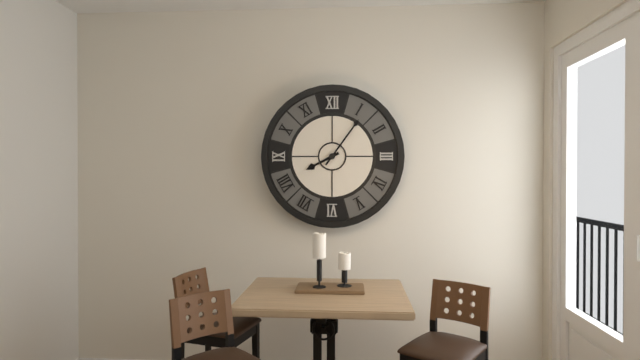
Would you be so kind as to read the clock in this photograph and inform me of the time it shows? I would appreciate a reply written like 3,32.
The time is 8,06
